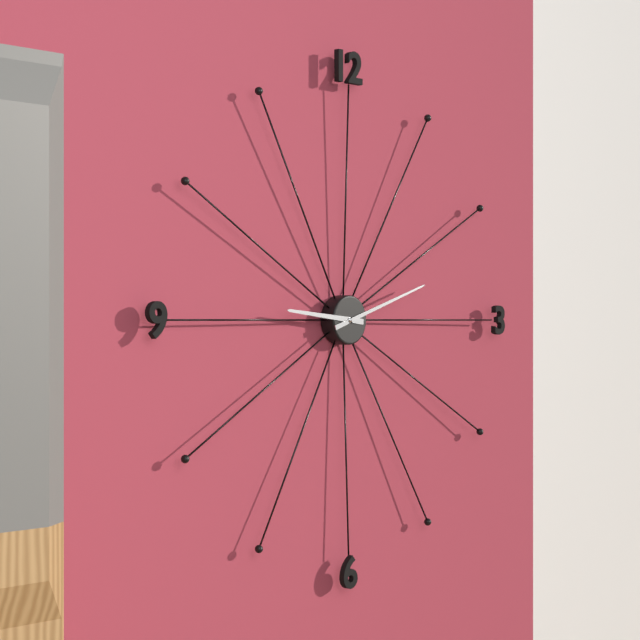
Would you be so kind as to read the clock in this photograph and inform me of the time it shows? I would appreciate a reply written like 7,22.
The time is 9,12
